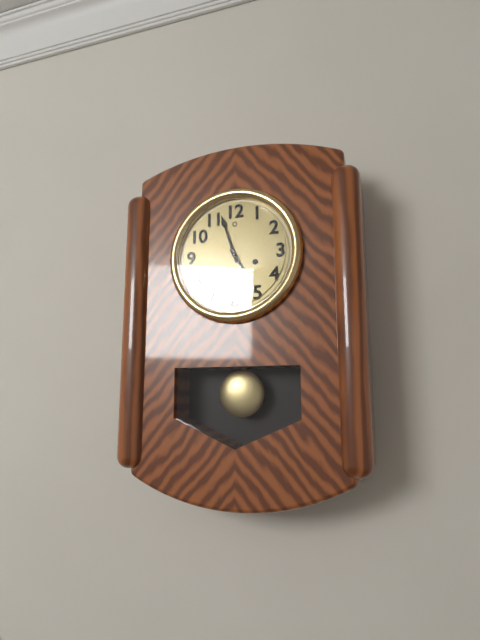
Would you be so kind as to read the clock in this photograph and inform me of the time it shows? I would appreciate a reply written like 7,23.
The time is 4,57
